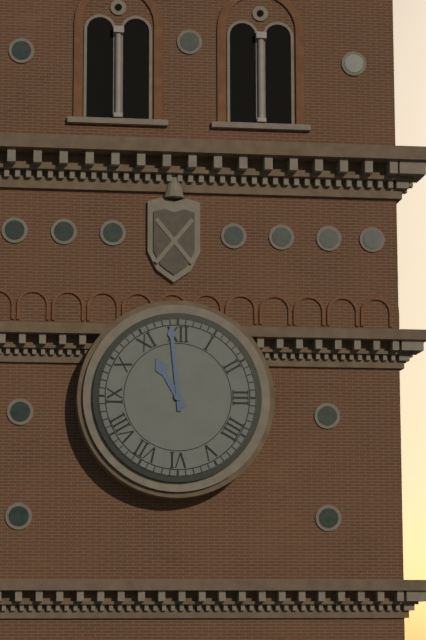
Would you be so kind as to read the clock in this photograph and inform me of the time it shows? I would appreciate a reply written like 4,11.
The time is 10,59
